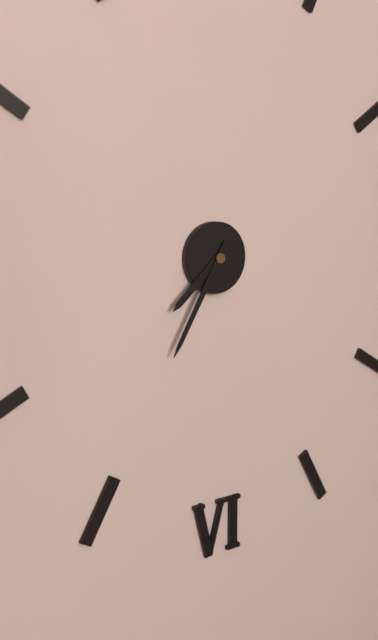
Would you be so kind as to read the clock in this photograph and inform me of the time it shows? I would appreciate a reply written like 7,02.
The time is 7,35
